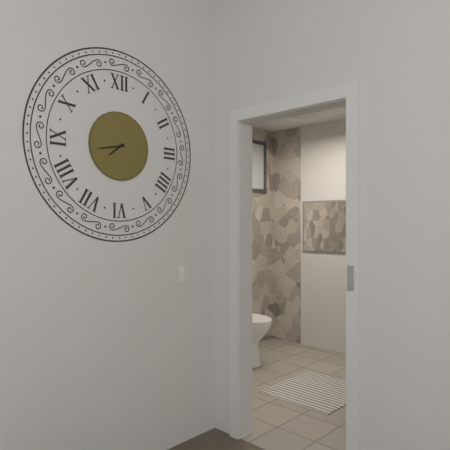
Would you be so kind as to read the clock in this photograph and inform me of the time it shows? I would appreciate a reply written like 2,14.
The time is 7,43
